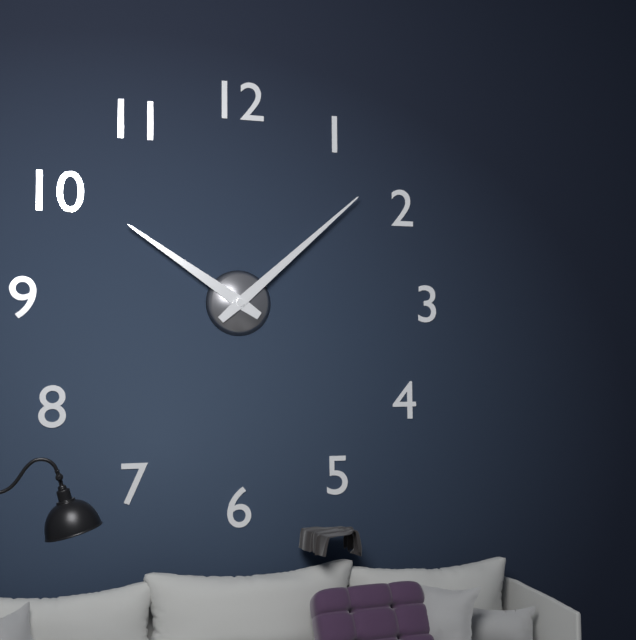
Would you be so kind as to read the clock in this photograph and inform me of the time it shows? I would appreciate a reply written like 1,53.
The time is 10,08
